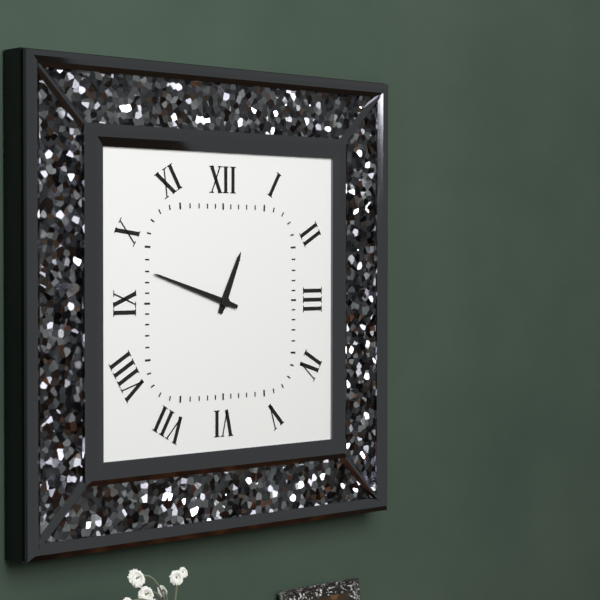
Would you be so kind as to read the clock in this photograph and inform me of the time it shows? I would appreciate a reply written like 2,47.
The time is 12,48
